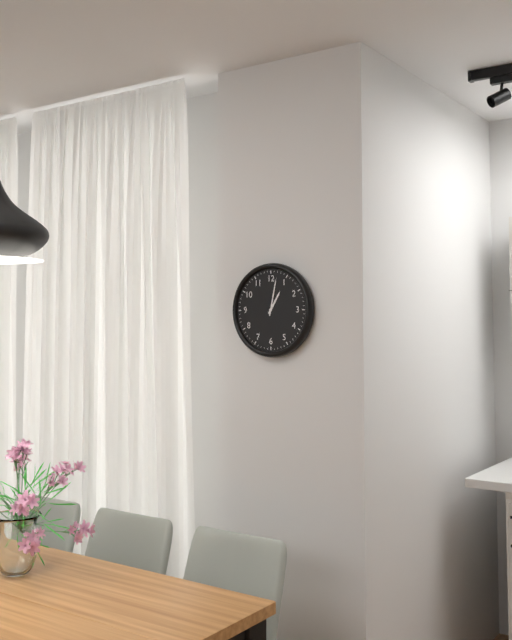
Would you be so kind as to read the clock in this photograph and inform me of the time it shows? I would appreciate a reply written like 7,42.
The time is 1,02
